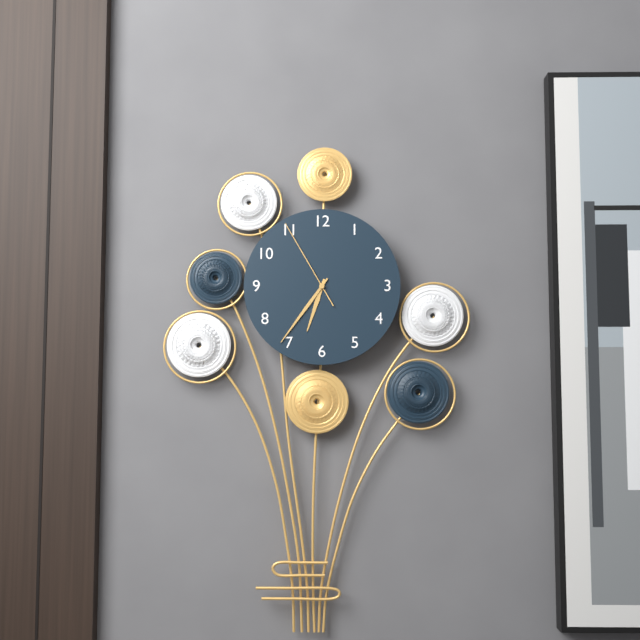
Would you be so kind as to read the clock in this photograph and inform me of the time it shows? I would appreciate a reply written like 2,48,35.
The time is 6,36,55
